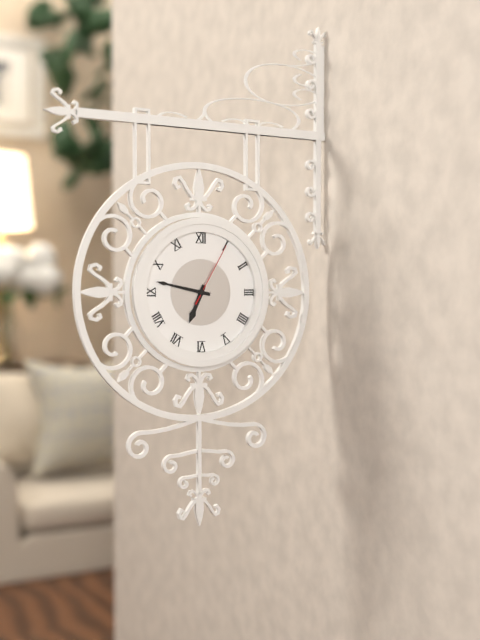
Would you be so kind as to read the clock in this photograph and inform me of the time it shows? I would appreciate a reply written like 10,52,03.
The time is 6,47,05
